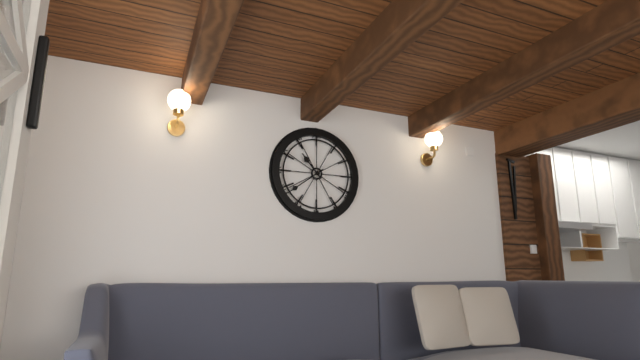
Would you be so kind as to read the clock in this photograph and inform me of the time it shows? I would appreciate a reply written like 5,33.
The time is 10,39
